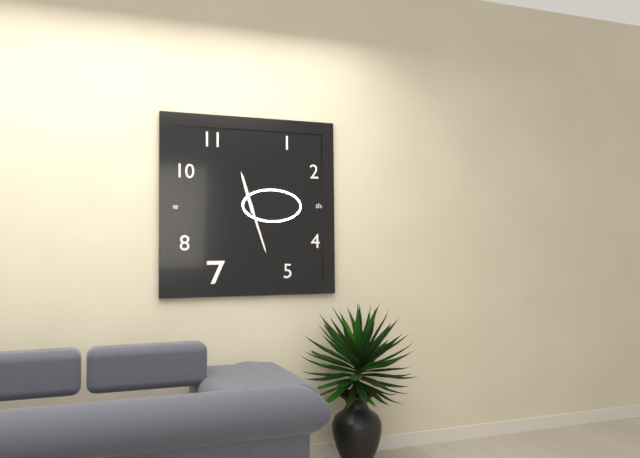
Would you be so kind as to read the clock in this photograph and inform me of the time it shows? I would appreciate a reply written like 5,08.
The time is 11,27
